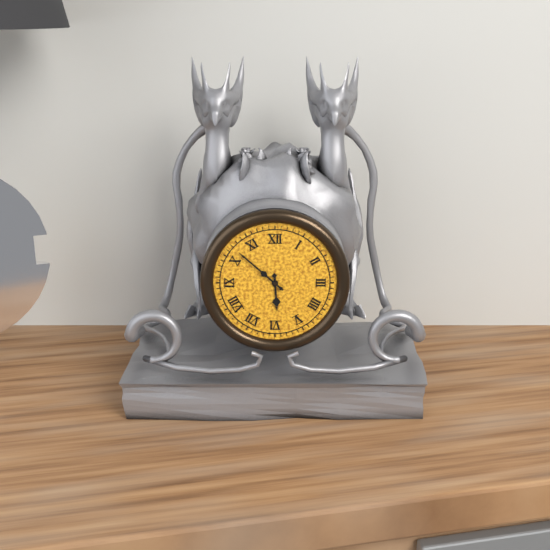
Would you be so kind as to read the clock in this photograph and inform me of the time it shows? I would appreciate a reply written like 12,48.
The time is 5,52
